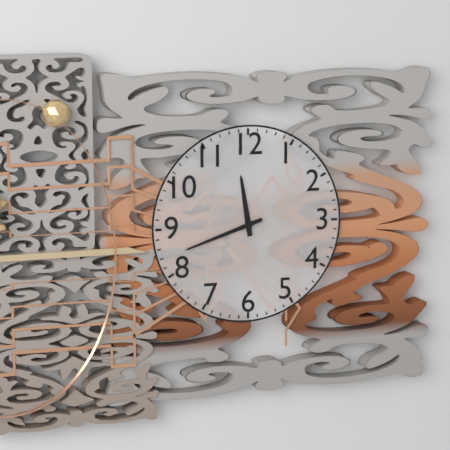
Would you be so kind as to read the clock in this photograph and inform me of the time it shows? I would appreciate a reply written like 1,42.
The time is 11,42
